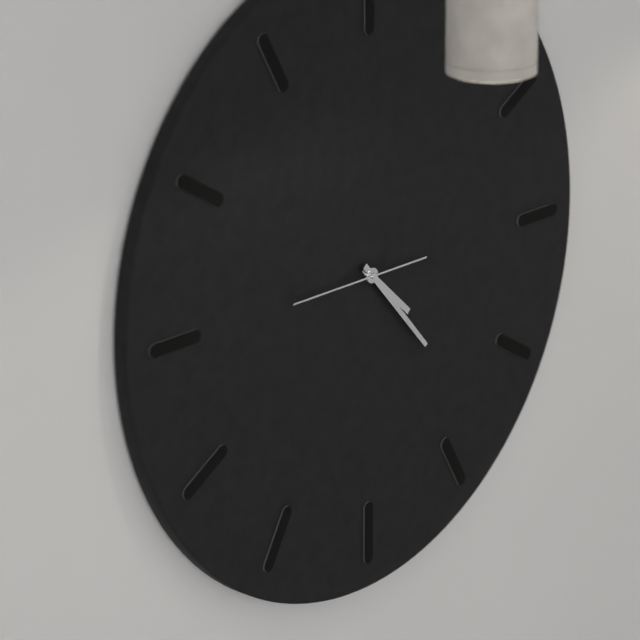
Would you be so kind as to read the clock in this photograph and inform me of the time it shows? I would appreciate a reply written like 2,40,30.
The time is 4,23,45
